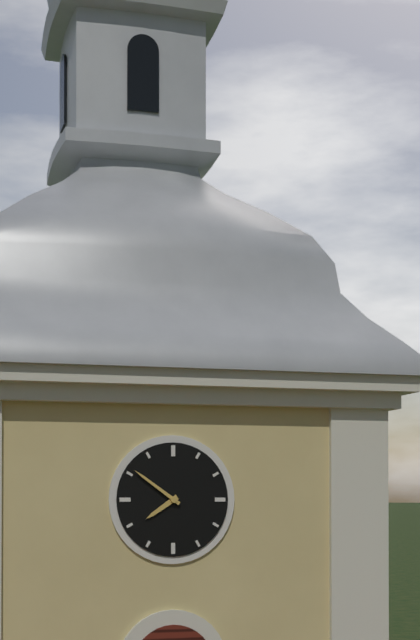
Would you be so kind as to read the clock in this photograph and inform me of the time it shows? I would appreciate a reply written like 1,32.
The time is 7,51
